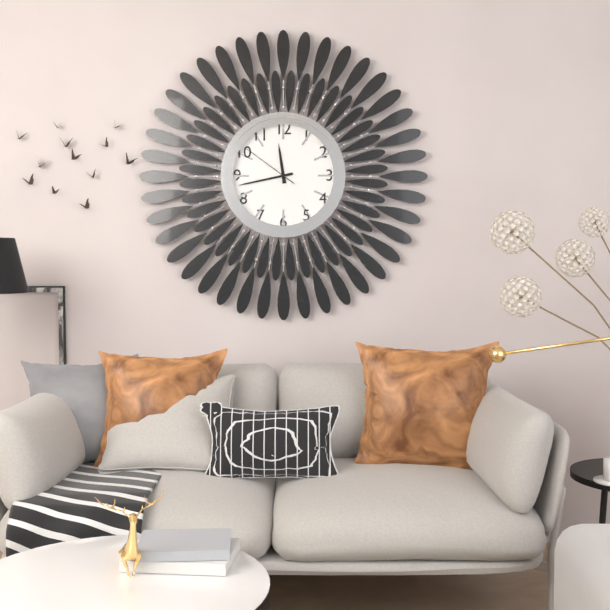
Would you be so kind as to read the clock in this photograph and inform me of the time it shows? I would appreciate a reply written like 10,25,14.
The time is 11,43,51
